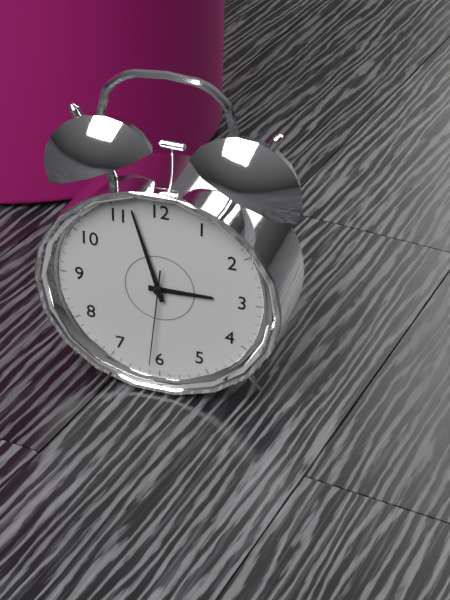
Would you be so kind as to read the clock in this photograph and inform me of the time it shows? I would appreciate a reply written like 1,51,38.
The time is 2,57,31
